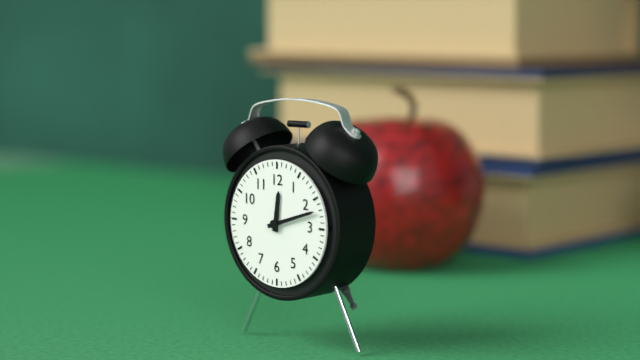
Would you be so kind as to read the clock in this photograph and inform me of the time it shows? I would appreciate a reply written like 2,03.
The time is 12,12
